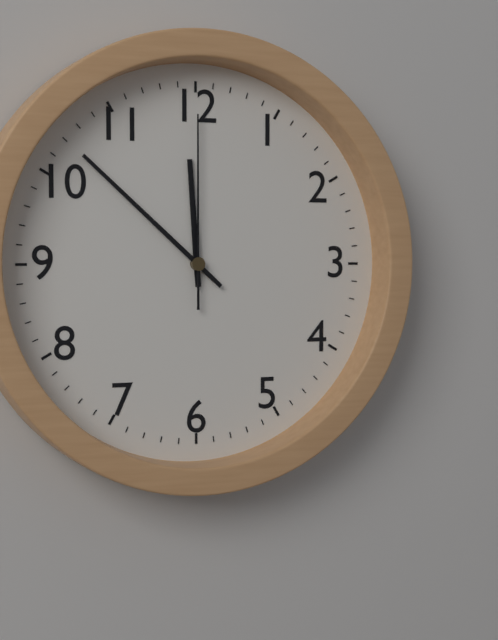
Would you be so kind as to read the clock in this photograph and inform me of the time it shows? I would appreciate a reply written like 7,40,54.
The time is 11,52,00
